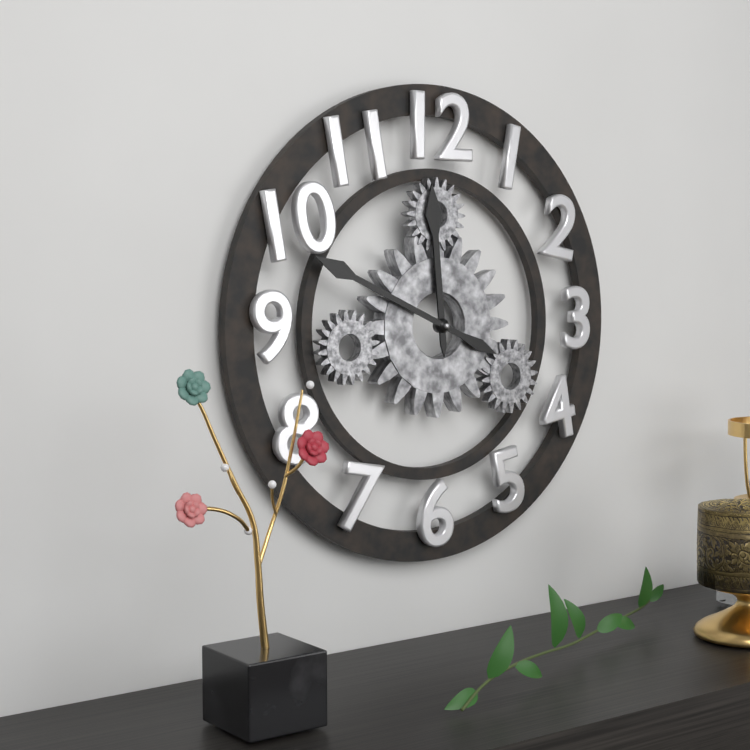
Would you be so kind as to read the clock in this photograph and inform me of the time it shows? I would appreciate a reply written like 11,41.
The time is 11,49
